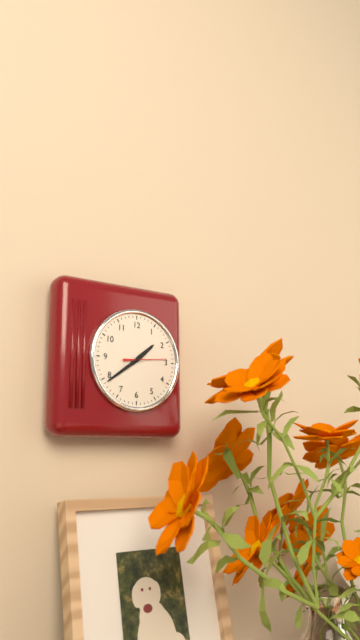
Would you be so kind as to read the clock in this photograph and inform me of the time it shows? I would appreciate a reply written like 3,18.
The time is 1,39
